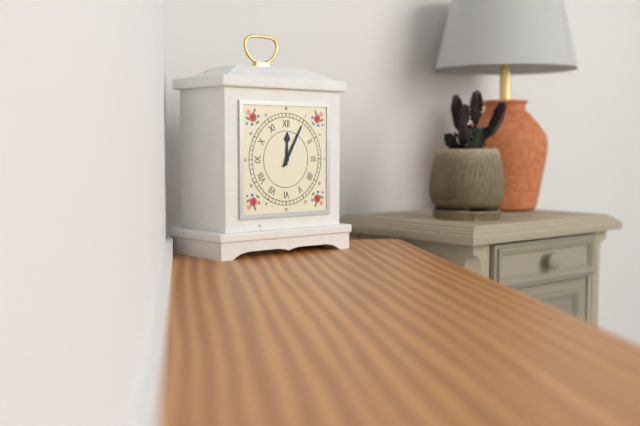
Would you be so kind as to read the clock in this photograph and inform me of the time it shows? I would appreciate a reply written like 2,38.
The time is 12,05
